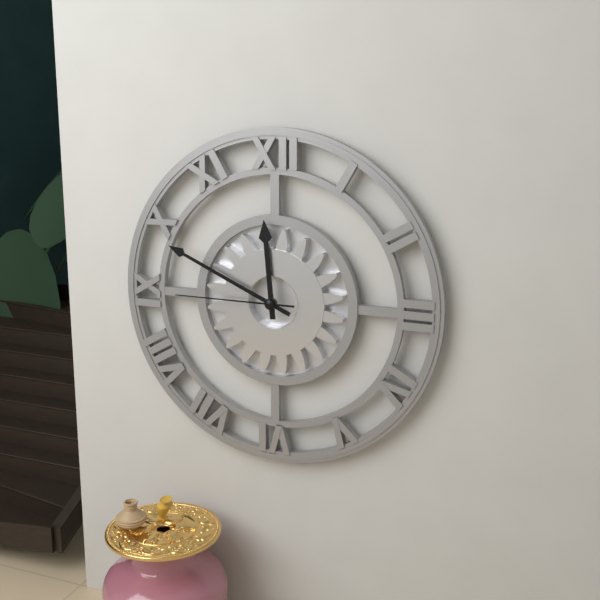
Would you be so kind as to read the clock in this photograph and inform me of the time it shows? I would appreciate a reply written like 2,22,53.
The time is 11,49,45
